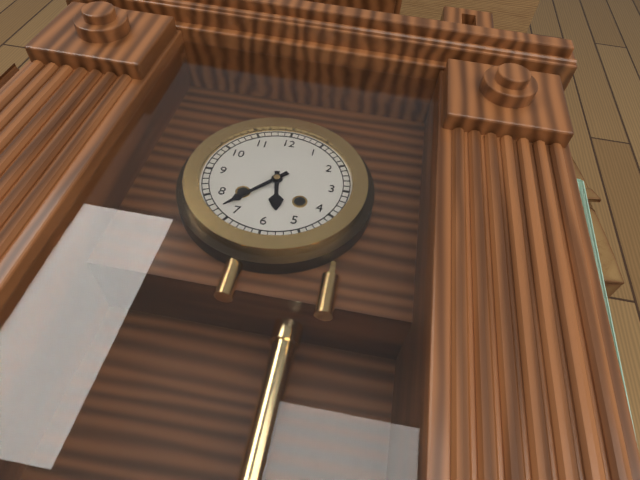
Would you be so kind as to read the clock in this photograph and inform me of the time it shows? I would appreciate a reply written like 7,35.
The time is 5,37
